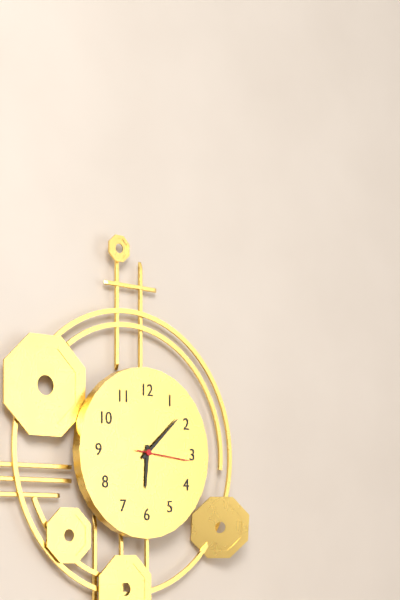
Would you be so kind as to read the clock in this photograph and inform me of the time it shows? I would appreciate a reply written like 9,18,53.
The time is 6,08,16
